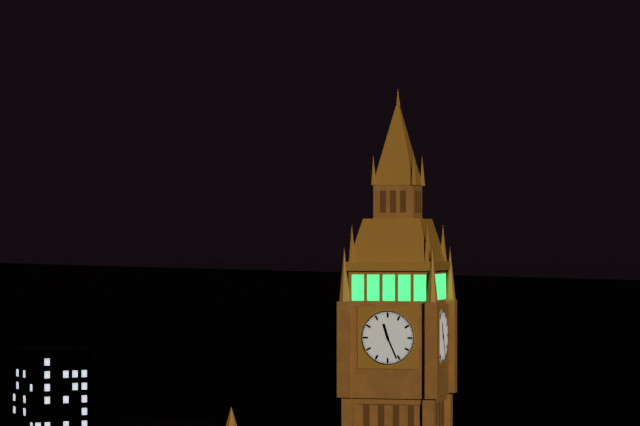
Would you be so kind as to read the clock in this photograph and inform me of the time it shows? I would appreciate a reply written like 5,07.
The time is 11,26
